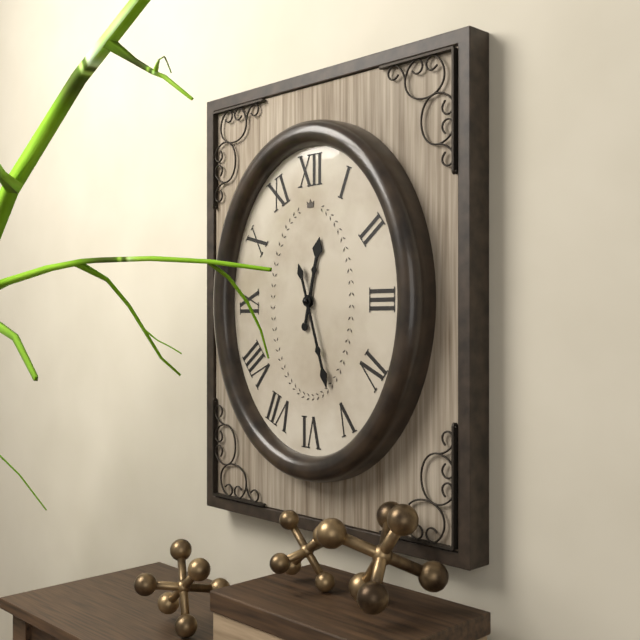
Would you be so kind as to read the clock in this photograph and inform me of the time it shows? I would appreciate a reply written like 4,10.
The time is 12,27
